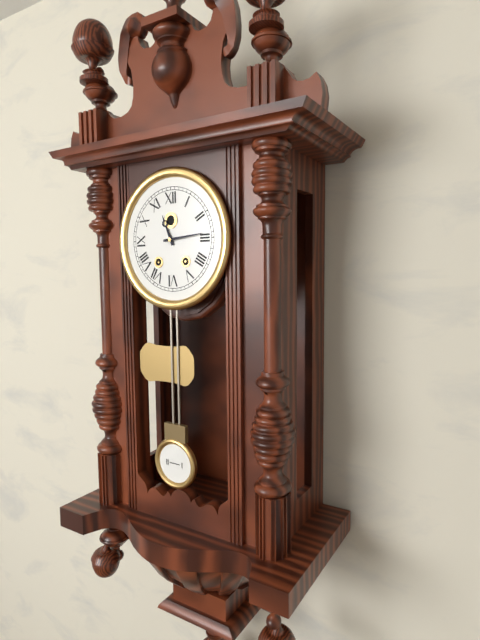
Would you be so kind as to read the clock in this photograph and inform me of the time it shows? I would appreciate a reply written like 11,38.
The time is 11,14
